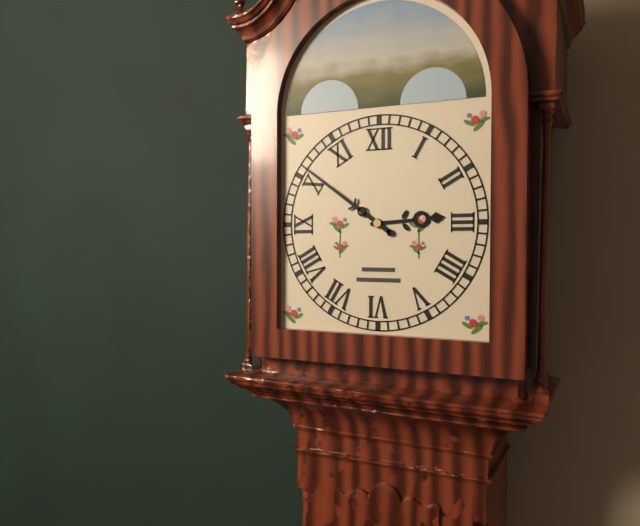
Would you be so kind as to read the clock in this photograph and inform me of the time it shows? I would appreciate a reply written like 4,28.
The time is 2,51
